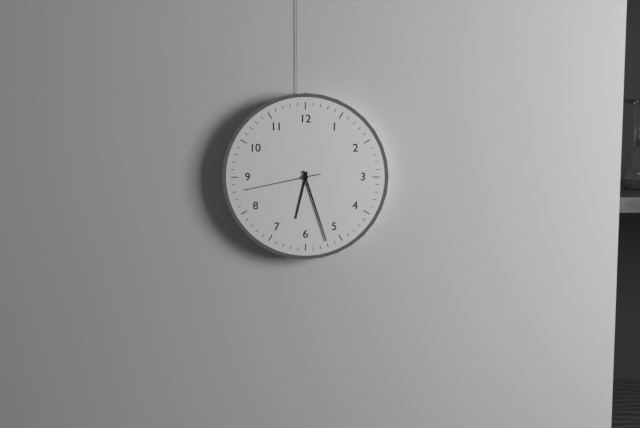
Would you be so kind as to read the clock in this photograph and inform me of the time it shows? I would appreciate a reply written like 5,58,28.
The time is 6,27,43
